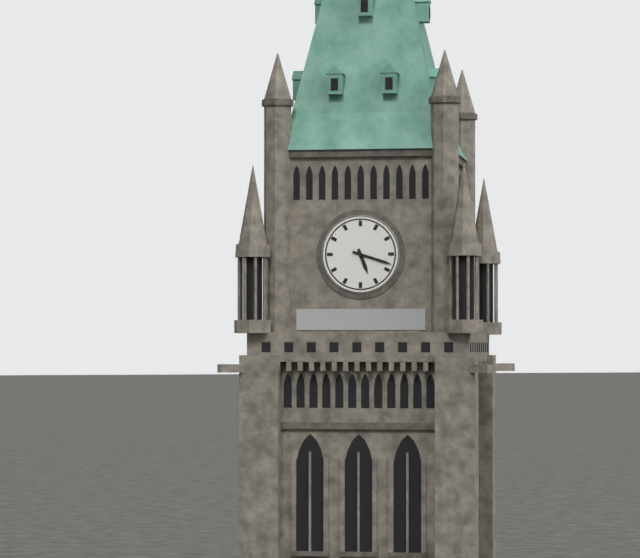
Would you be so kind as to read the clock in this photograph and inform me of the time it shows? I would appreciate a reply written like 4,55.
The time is 5,18
